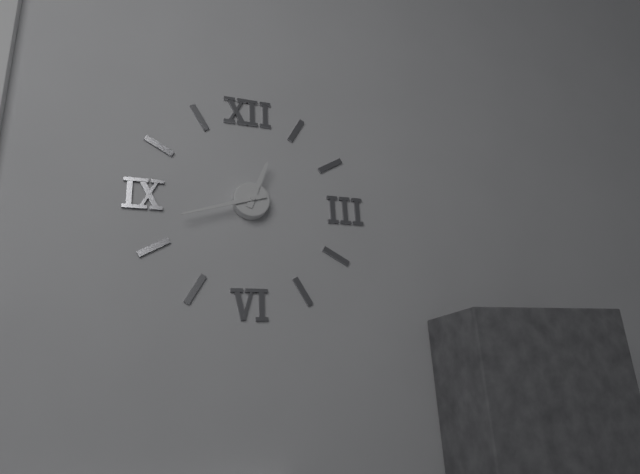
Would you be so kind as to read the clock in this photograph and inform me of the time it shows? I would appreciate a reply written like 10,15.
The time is 12,42
